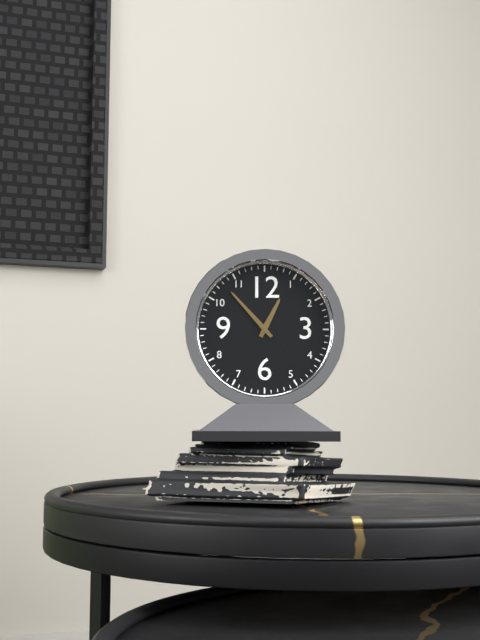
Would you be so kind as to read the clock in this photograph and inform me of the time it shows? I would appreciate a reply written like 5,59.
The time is 12,53
